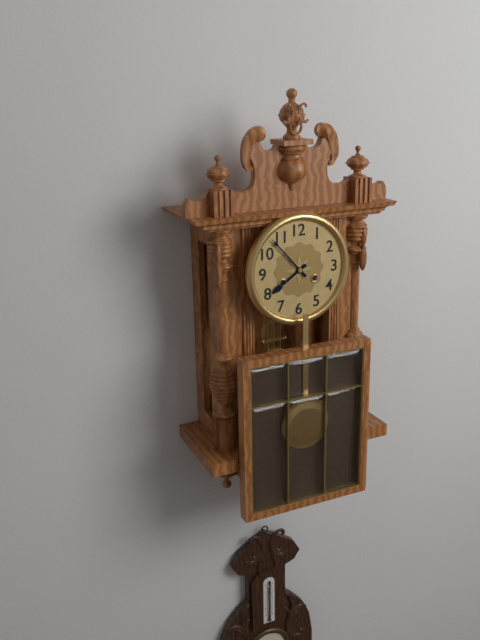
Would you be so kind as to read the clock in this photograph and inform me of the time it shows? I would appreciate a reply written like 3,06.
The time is 7,53
